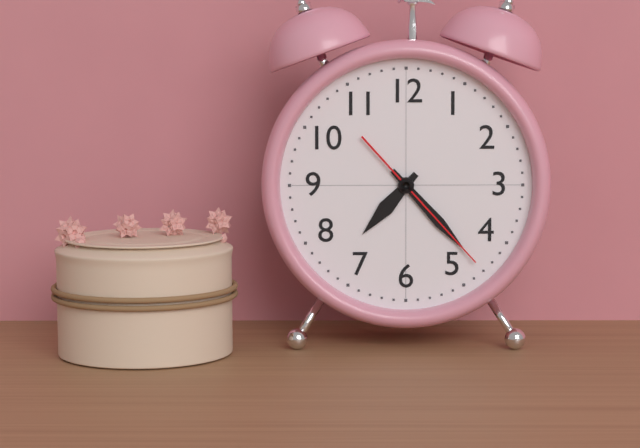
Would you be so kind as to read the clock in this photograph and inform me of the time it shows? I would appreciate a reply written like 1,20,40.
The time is 7,23,23
